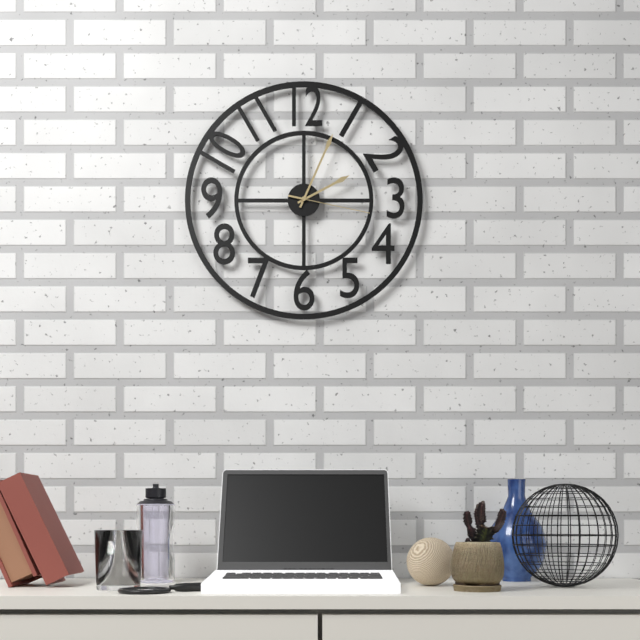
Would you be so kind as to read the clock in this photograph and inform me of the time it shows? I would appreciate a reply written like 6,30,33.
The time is 2,04,17
